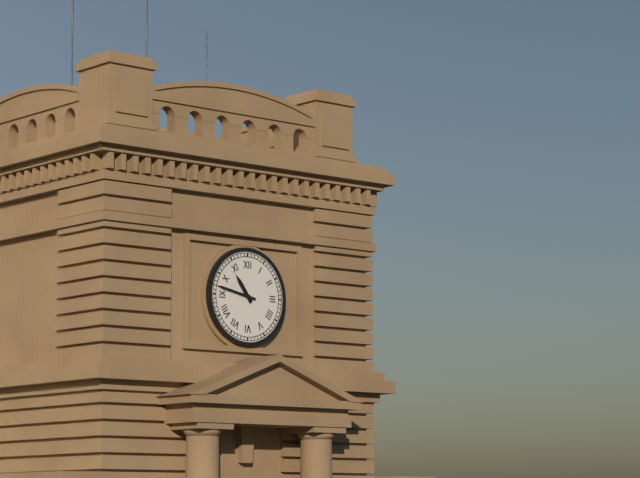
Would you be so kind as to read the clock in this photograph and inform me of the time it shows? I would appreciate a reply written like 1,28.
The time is 10,47
